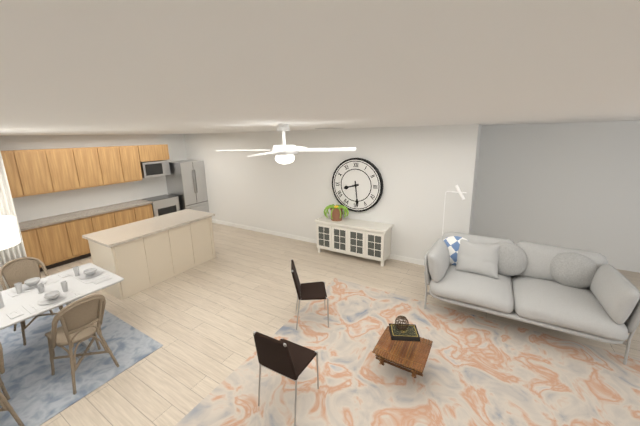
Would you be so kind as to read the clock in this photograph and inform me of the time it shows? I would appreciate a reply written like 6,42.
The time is 8,29
